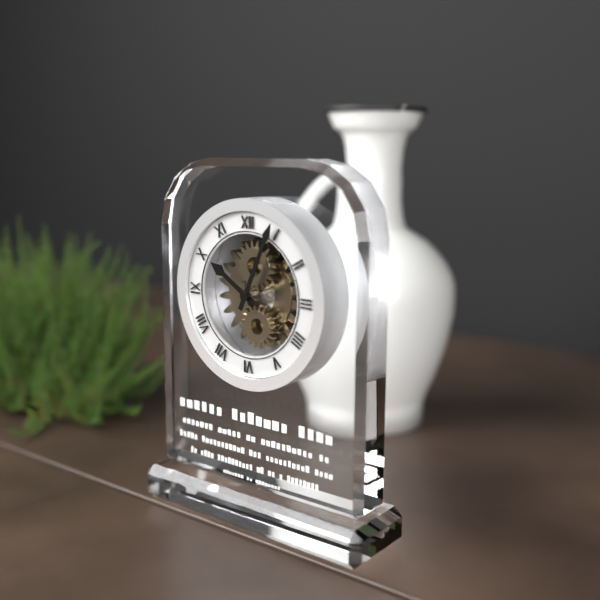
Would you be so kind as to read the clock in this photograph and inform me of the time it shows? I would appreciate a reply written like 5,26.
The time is 10,04
